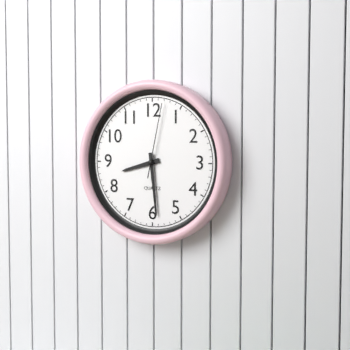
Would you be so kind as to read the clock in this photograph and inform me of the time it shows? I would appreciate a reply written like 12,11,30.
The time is 8,29,02
